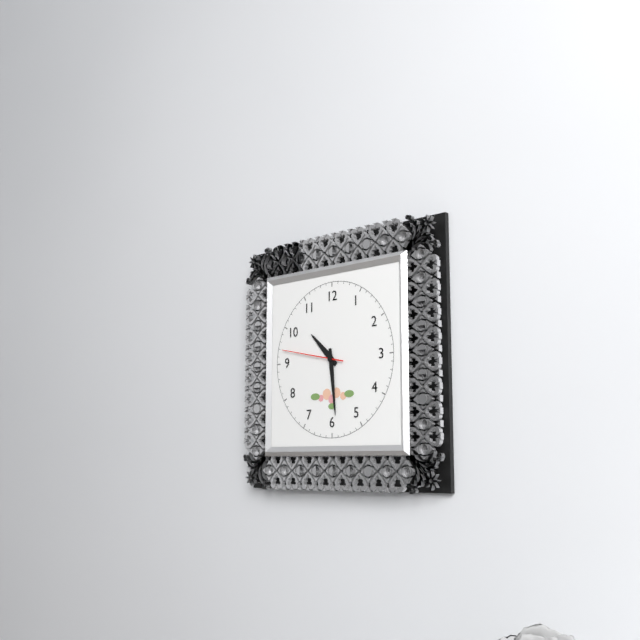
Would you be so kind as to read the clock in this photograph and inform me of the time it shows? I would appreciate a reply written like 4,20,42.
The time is 10,29,47
